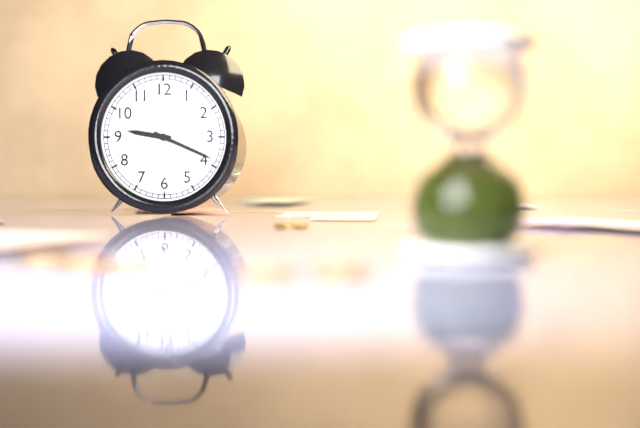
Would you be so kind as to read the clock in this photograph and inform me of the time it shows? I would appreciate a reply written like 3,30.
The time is 9,19
